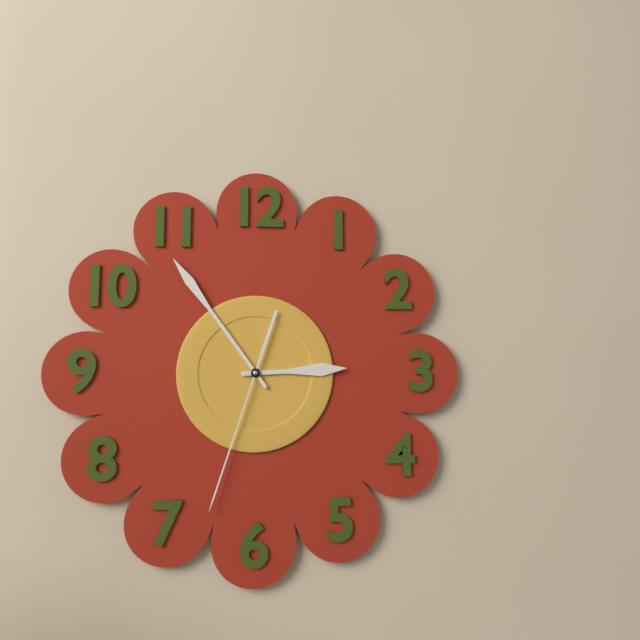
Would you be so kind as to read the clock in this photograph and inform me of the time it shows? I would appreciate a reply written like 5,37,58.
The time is 2,54,33
